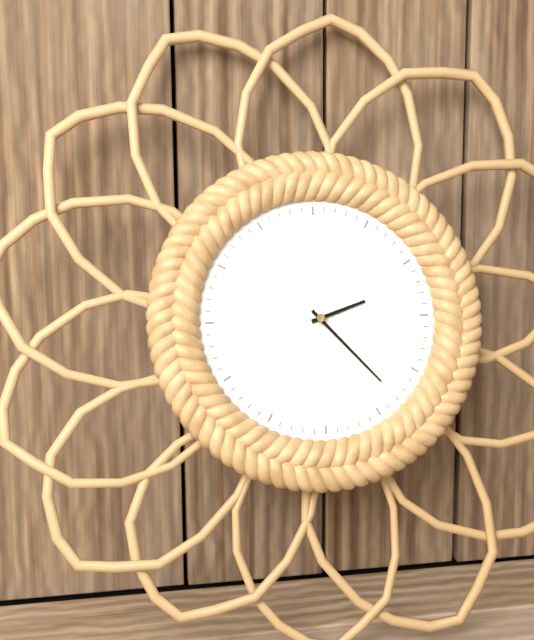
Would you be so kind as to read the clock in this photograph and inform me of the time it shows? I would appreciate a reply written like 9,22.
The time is 2,23
